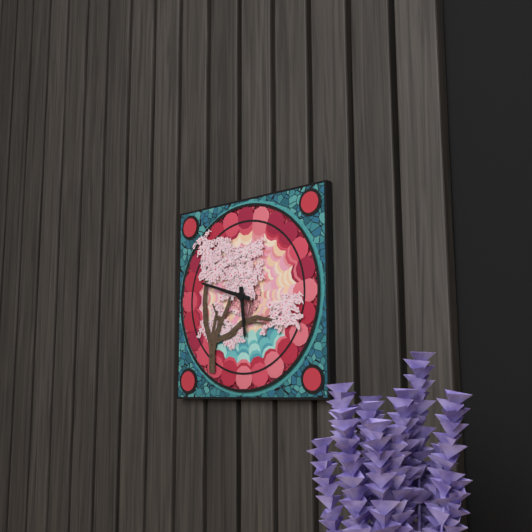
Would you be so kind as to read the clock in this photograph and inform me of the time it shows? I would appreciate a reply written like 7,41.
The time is 5,48
